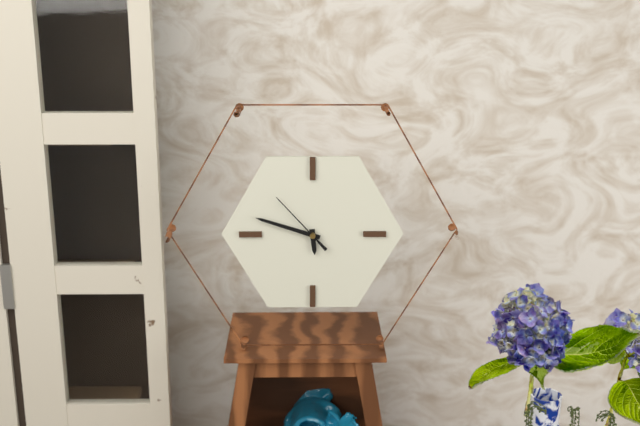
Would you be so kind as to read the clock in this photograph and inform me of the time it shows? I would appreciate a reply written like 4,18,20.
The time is 5,48,53
